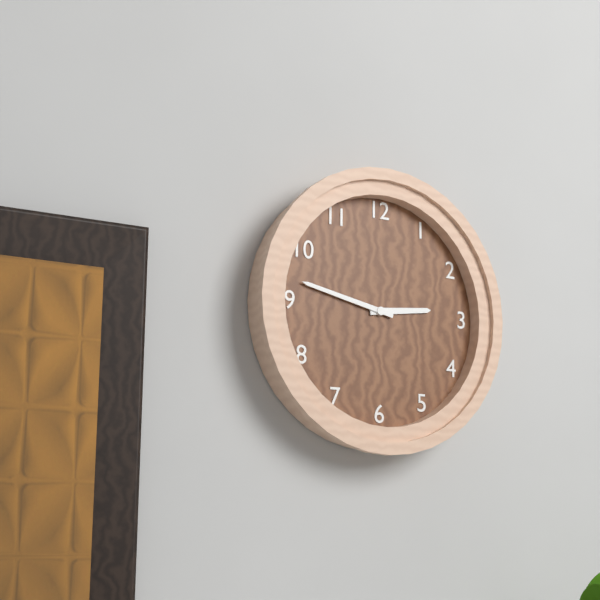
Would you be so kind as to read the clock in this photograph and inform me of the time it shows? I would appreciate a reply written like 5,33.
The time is 2,47
